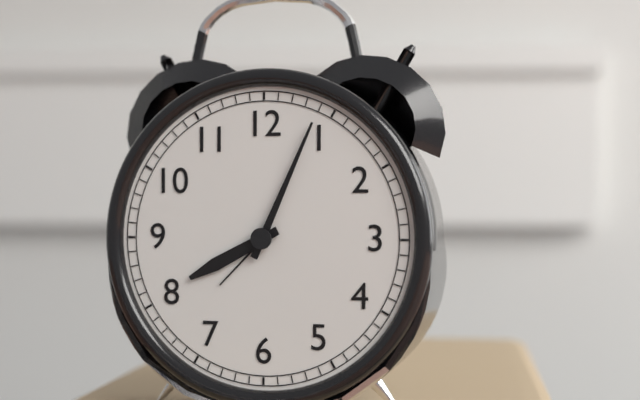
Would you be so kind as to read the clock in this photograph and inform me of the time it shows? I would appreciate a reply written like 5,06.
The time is 8,04
